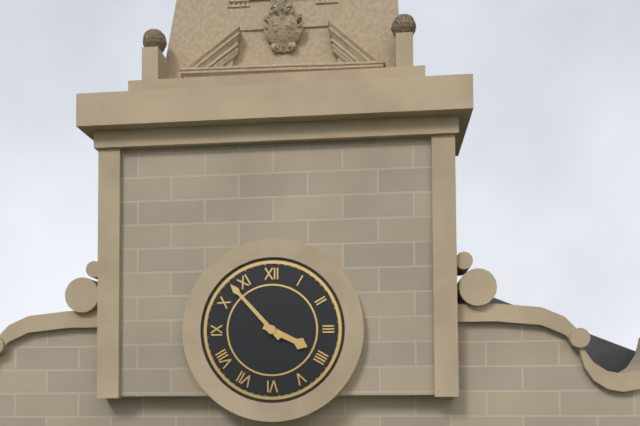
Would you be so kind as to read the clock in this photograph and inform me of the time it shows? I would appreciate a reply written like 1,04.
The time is 3,53
